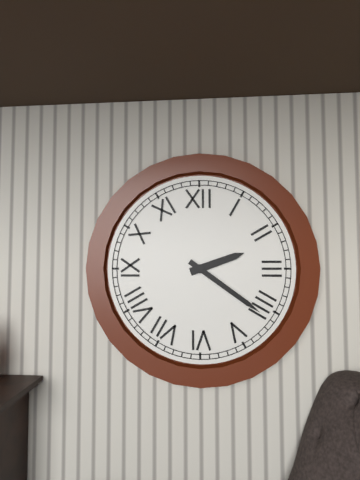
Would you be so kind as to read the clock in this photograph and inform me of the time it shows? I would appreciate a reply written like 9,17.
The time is 2,21
